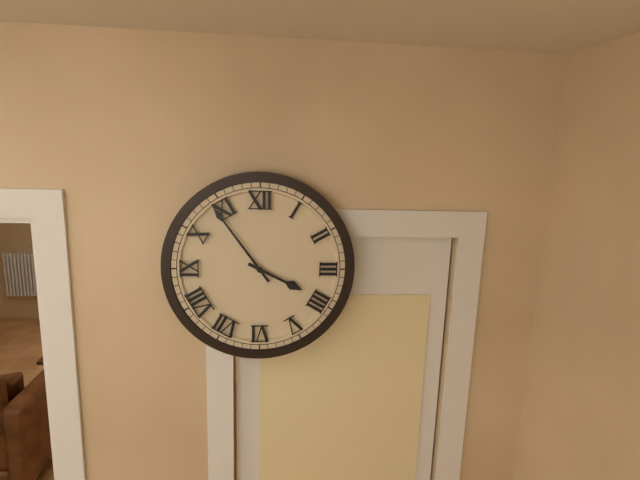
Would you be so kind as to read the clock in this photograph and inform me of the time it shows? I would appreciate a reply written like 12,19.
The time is 3,54
